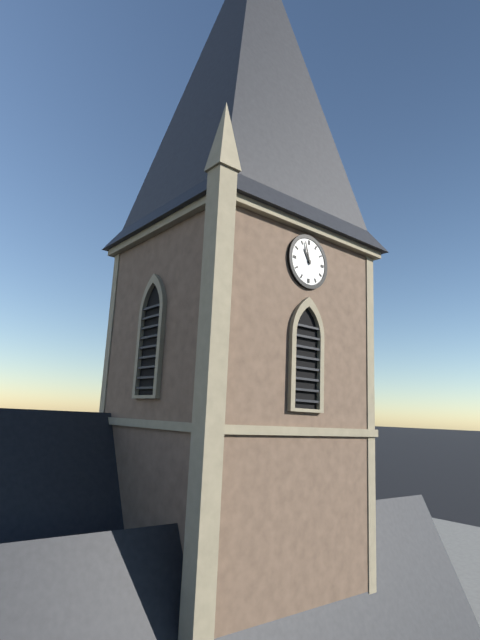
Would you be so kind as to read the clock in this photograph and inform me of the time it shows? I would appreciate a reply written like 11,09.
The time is 10,57
